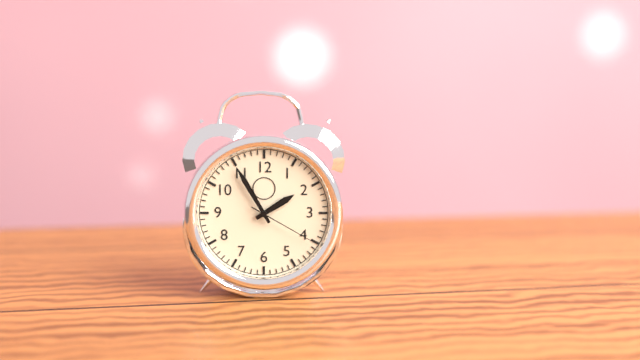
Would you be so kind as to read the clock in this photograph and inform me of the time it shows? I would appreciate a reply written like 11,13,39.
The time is 1,55,20
